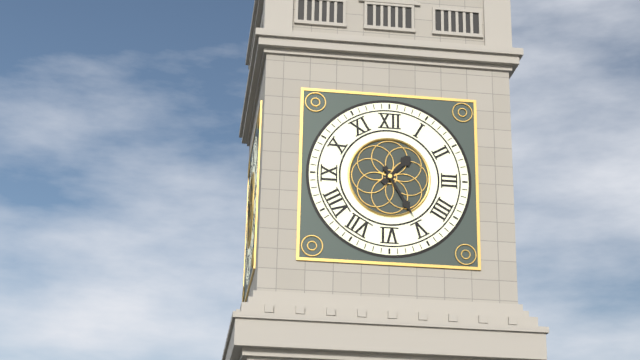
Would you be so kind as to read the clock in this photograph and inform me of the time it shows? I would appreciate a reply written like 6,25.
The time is 1,25
